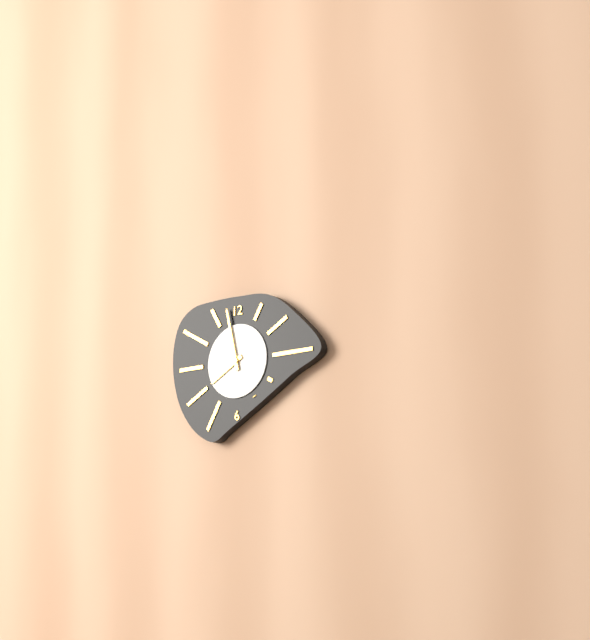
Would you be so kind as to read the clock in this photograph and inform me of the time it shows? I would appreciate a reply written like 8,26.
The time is 7,58
